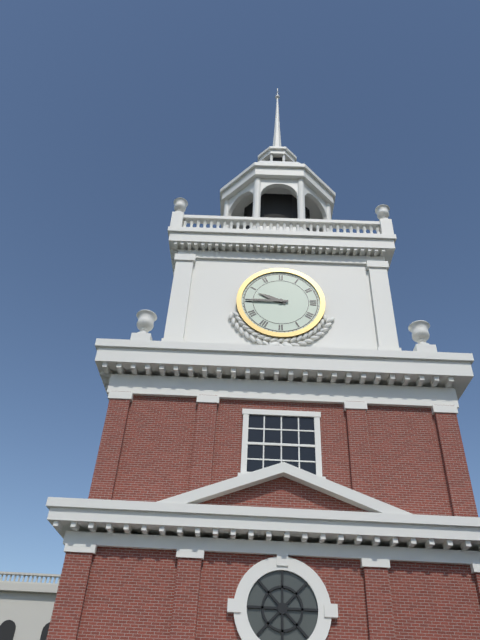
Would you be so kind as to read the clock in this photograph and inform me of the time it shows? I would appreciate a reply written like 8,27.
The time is 9,45
